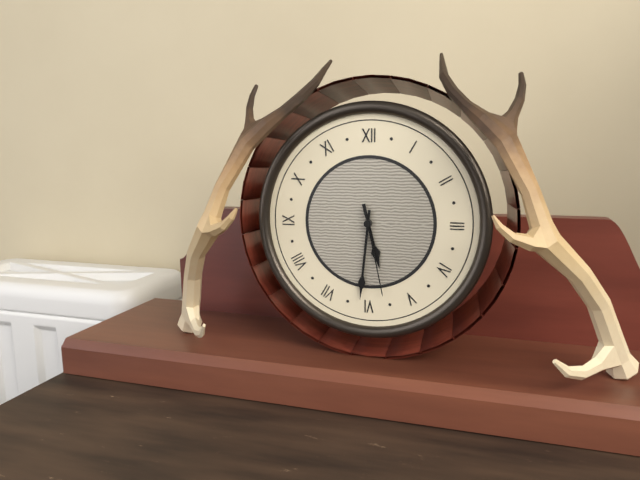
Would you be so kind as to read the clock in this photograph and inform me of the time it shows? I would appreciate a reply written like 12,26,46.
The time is 5,31,28
